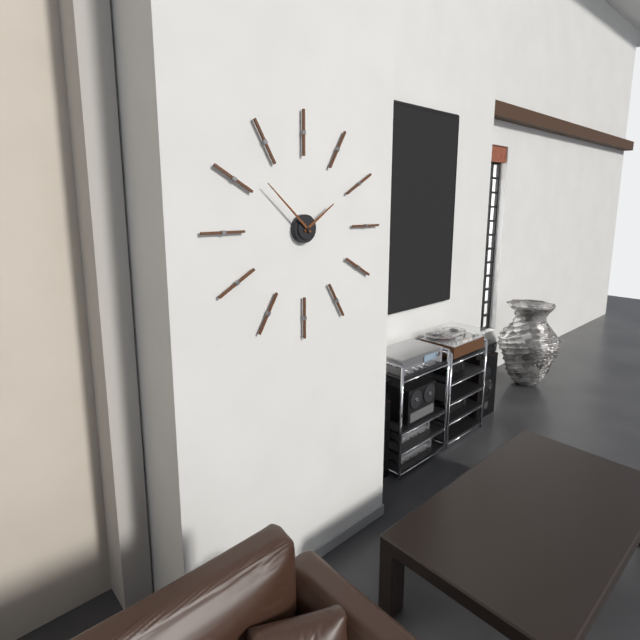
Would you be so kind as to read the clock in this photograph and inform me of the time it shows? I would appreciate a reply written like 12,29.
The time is 1,52
